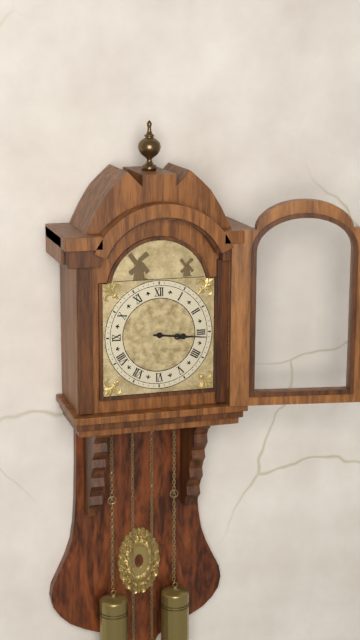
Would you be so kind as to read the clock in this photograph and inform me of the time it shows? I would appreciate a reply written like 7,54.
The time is 3,16
